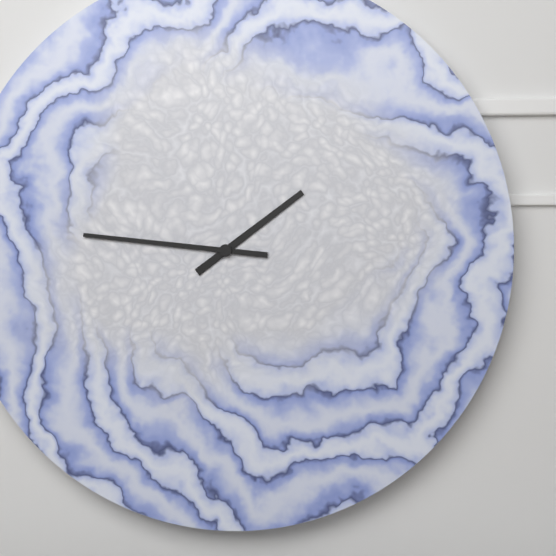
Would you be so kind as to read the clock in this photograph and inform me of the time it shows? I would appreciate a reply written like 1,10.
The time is 1,46
